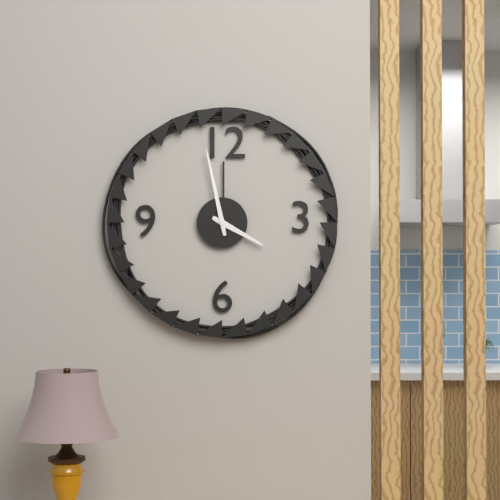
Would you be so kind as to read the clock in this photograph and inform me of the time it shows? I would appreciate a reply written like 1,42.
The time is 3,58
